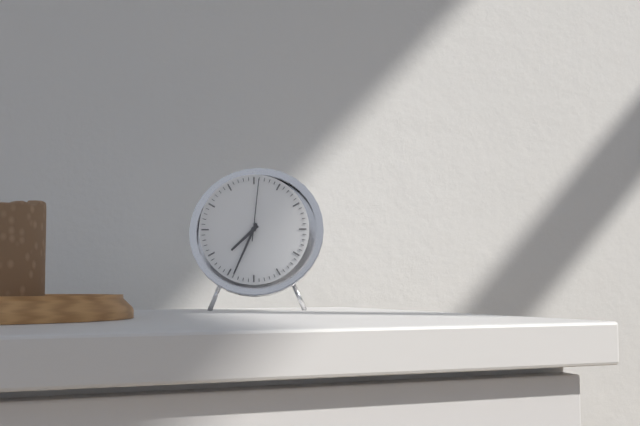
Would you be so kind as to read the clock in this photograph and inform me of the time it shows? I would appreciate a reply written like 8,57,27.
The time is 7,34,01
